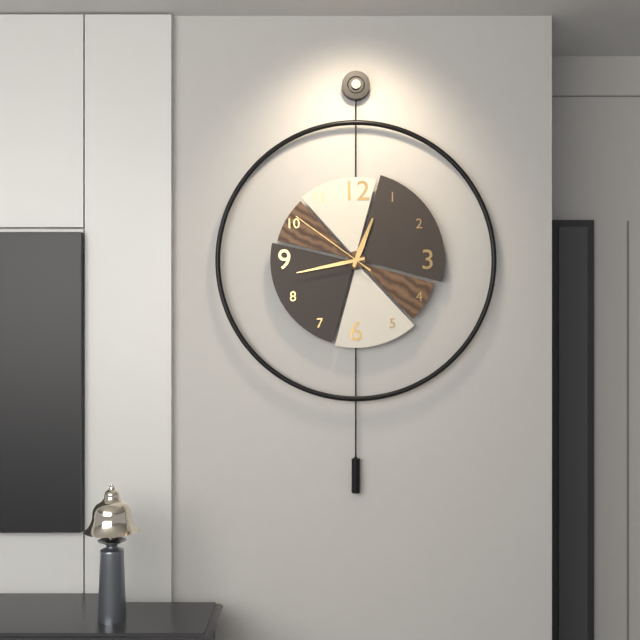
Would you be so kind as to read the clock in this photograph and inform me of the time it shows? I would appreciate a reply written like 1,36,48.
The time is 12,43,51
